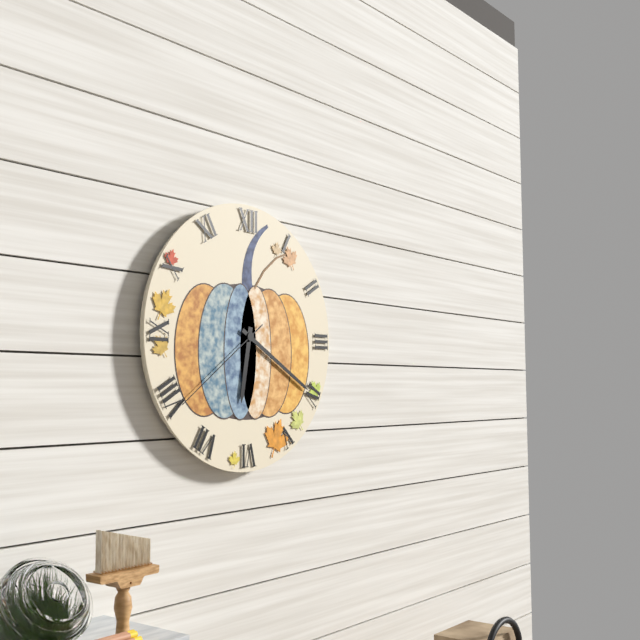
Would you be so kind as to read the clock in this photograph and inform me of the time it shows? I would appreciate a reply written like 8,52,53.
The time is 6,20,39
